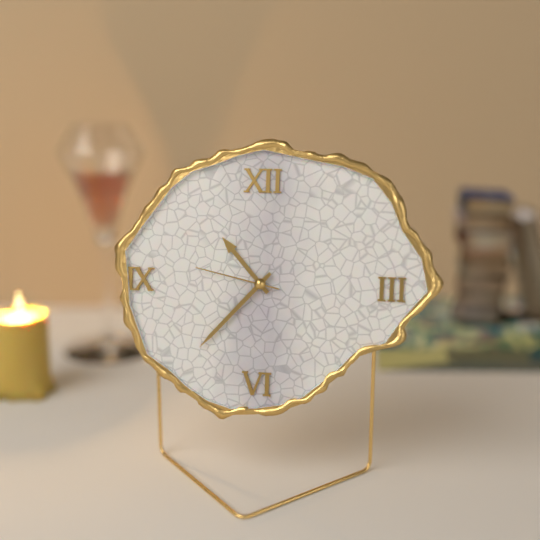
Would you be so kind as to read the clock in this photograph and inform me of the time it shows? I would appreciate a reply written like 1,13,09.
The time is 10,37,47
